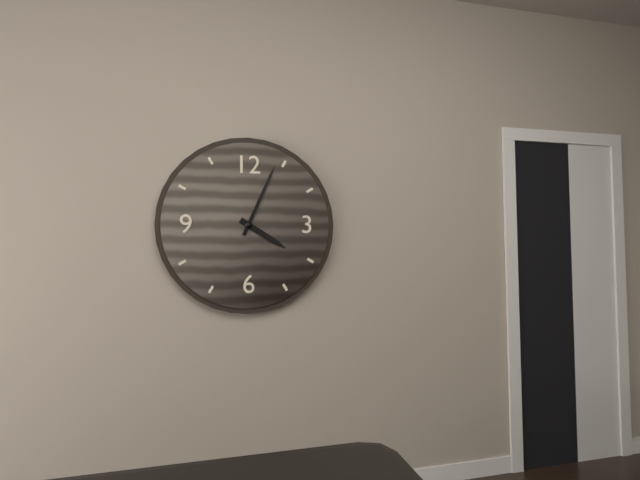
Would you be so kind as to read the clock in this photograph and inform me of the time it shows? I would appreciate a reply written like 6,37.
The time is 4,04
